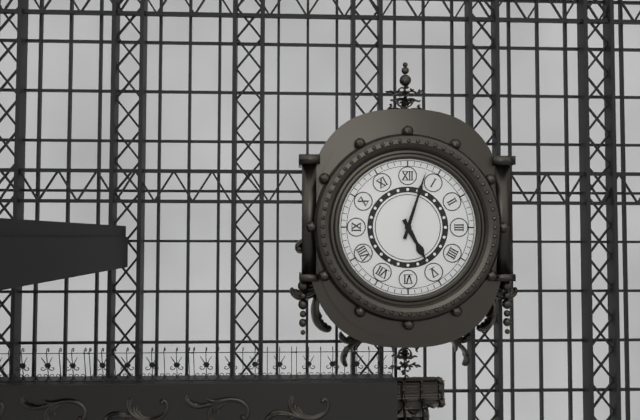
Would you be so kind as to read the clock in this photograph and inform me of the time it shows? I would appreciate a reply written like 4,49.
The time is 5,03
